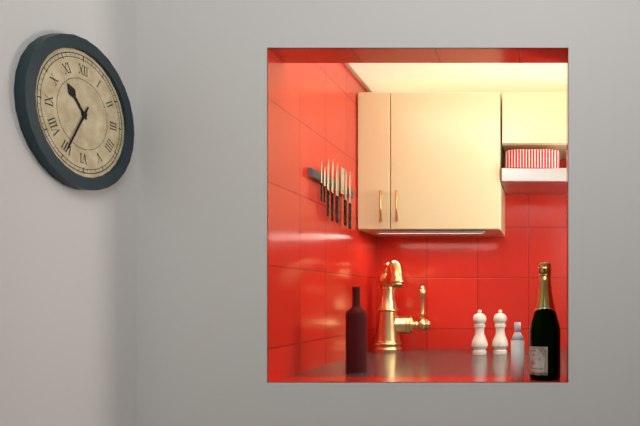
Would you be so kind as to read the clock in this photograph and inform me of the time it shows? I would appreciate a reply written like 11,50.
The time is 10,35
